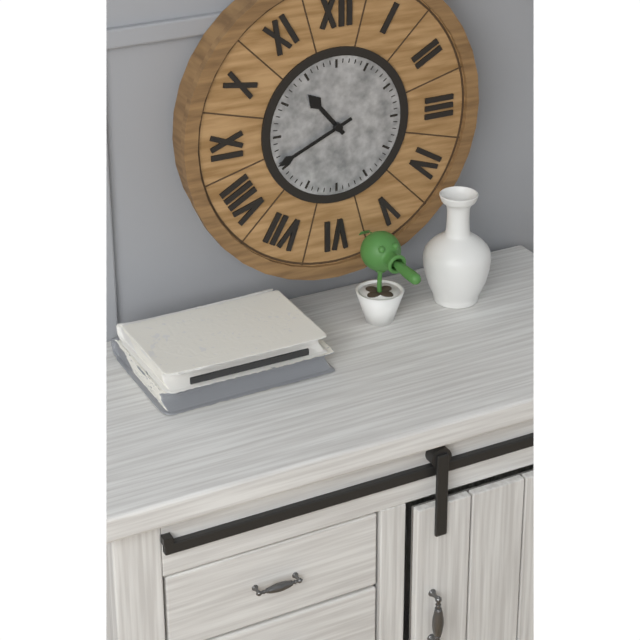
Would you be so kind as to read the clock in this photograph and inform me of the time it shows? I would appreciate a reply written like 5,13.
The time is 10,41
